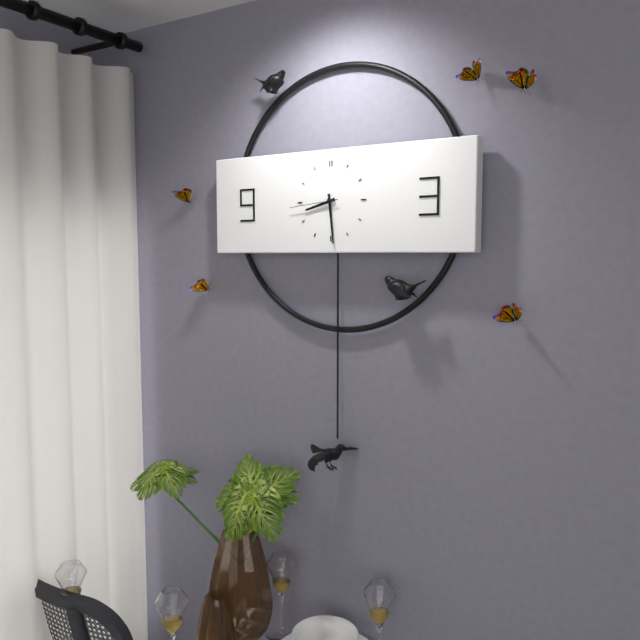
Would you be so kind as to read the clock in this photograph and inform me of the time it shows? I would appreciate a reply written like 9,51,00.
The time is 8,29,44
